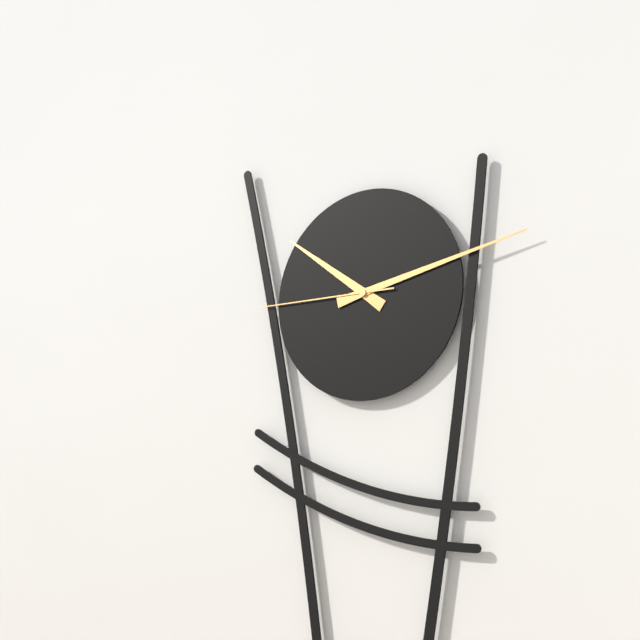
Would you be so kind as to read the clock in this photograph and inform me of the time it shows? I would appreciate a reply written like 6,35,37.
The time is 10,13,45
